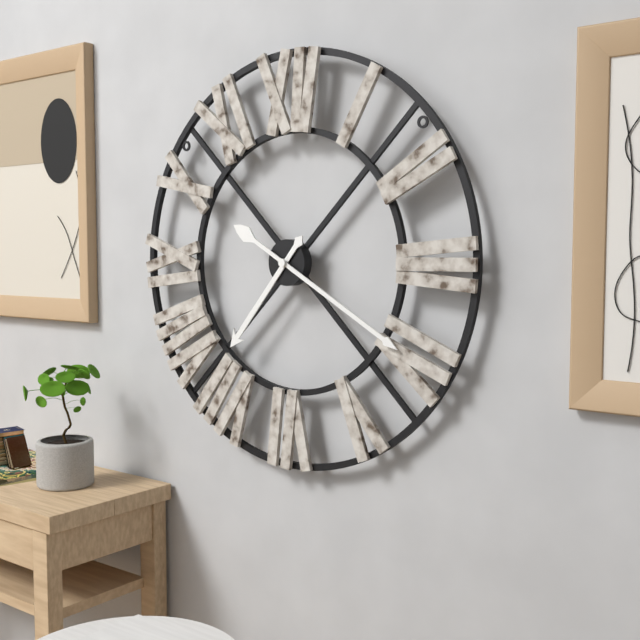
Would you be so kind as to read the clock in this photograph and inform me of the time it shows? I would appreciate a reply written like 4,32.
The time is 7,20
